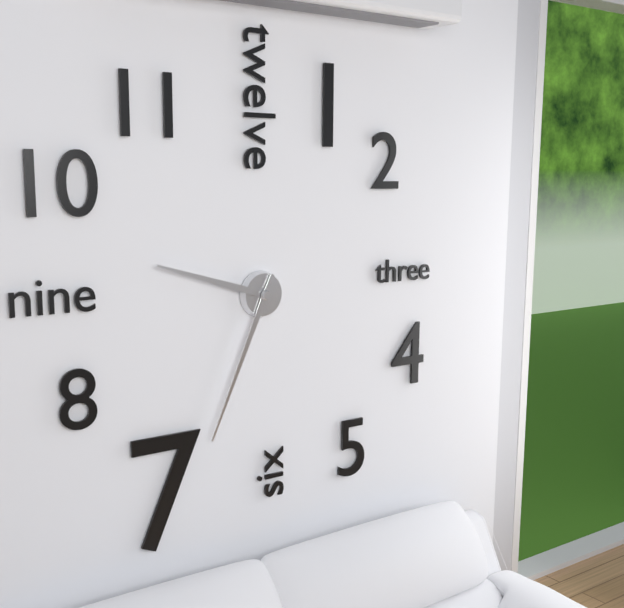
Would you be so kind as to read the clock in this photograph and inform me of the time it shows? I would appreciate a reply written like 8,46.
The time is 9,34
